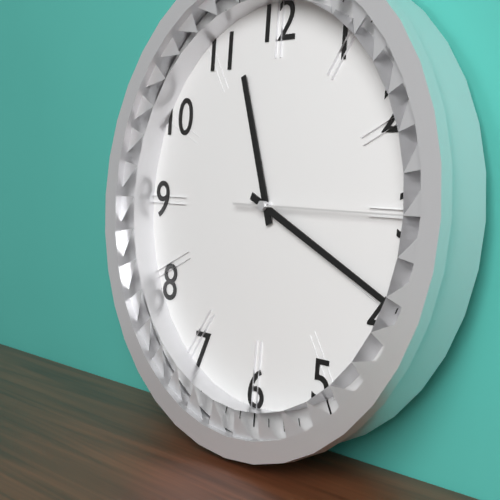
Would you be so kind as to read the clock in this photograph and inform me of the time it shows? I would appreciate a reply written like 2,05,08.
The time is 11,19,15
